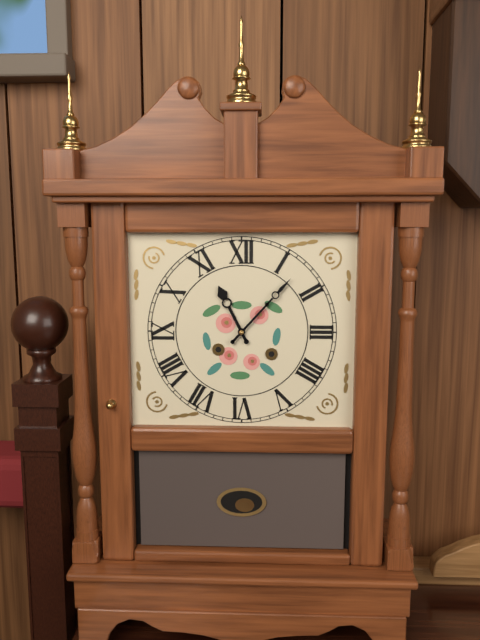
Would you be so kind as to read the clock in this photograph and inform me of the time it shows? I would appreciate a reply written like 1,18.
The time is 11,07
